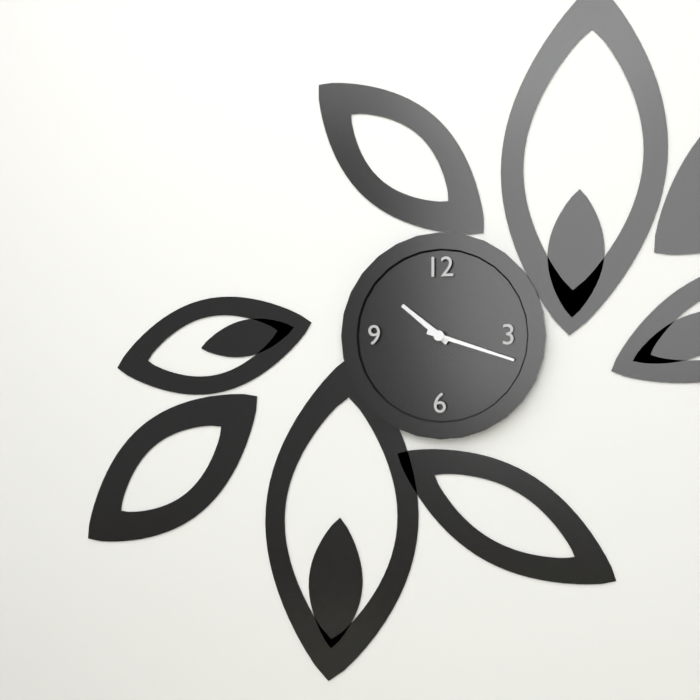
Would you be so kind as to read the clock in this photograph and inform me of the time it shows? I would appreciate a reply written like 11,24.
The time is 10,18
